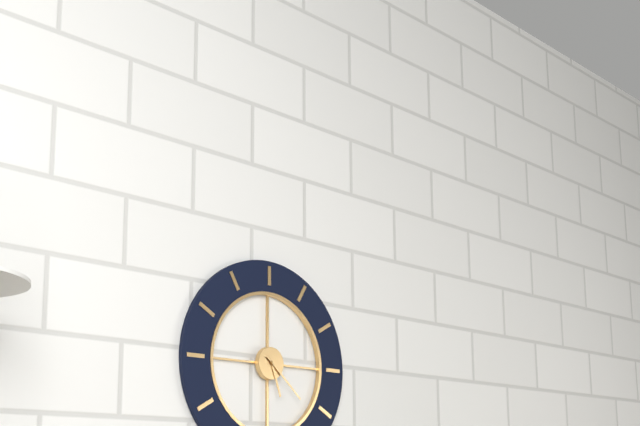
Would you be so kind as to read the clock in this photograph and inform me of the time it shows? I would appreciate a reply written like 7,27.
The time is 5,22
